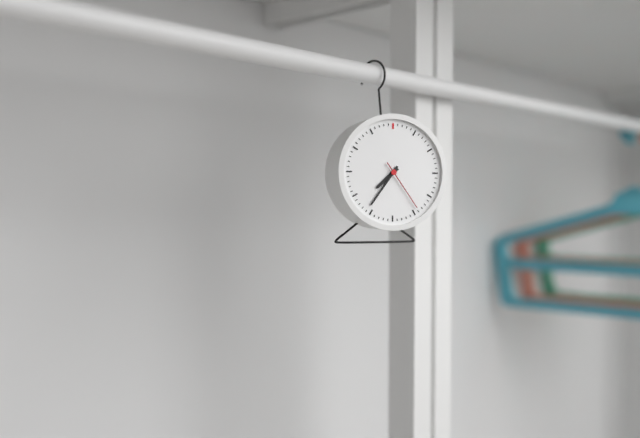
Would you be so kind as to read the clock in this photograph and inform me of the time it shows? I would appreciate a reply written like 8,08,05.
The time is 7,36,24
